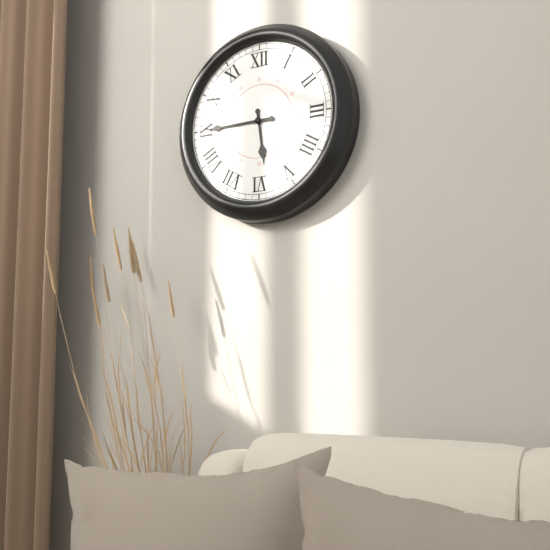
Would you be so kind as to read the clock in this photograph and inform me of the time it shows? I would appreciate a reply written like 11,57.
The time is 5,45
